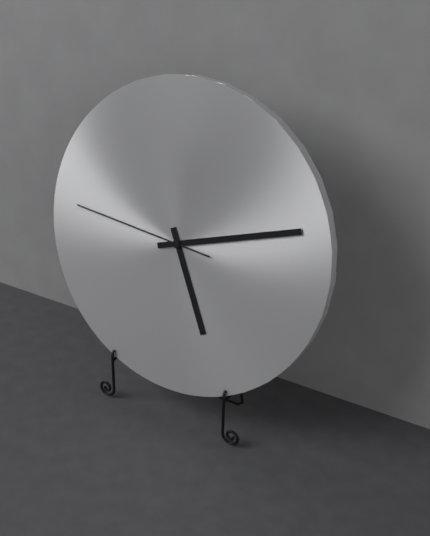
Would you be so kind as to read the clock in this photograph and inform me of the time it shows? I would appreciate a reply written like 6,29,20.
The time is 5,12,46
